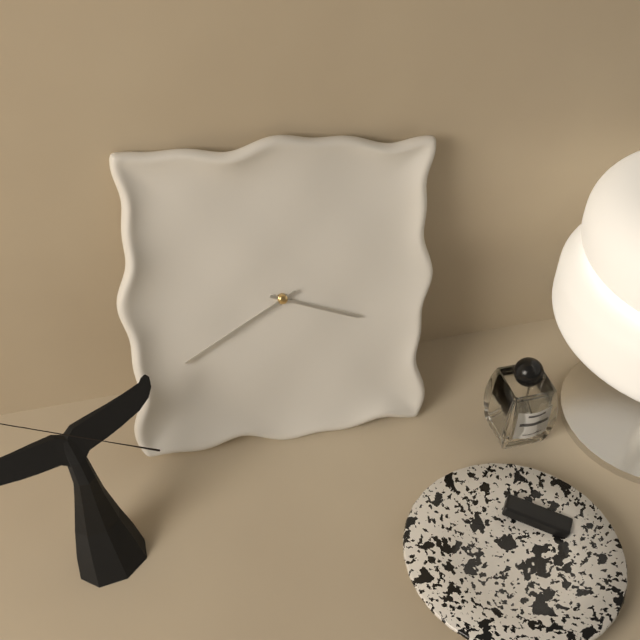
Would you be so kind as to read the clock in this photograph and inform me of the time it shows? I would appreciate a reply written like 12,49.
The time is 3,40
